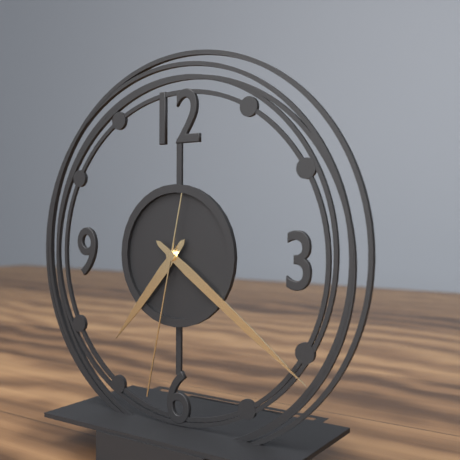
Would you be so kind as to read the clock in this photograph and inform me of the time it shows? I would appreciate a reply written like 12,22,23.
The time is 7,21,32
